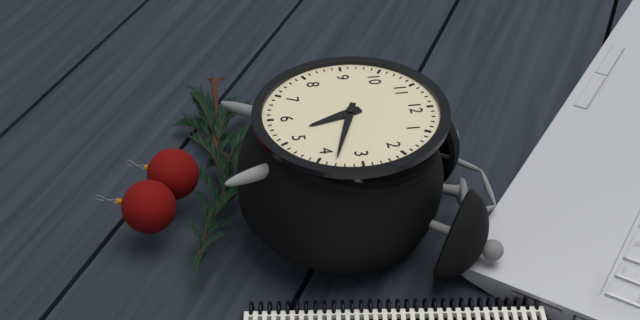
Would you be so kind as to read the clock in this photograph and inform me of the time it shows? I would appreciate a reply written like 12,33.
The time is 5,18
